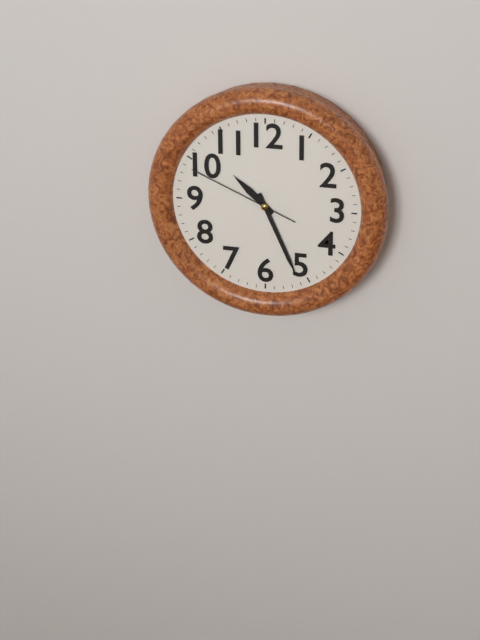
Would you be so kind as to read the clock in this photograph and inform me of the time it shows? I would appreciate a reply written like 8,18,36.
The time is 10,26,49
